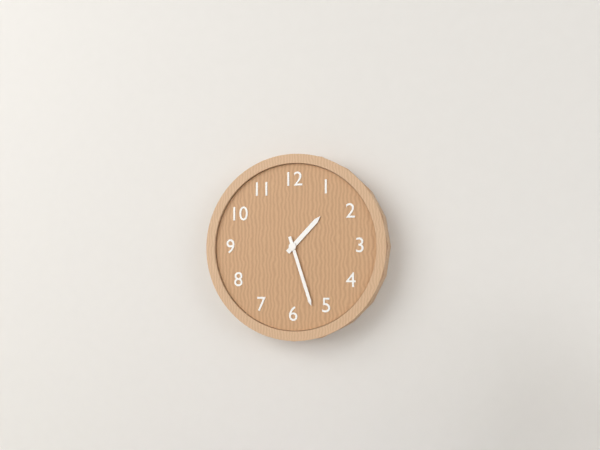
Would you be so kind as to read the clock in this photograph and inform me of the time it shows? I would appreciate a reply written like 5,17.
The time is 1,27
